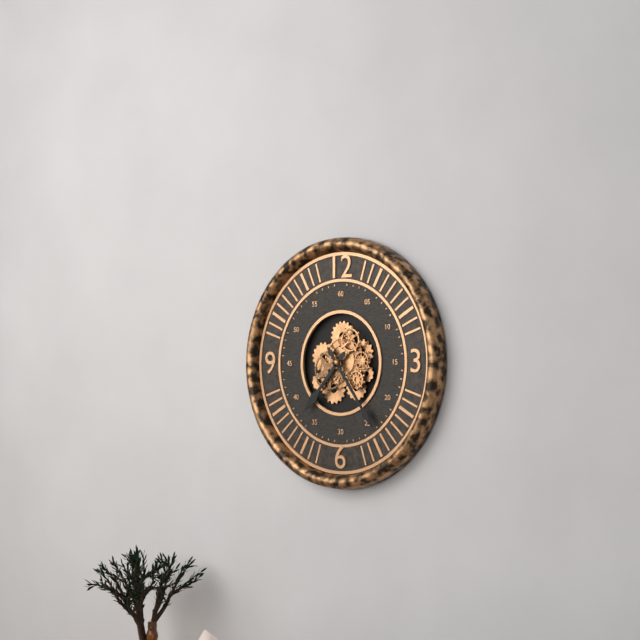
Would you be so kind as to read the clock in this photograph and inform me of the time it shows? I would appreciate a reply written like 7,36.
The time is 7,24
